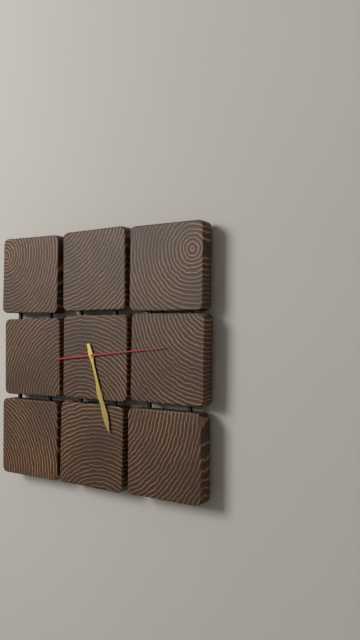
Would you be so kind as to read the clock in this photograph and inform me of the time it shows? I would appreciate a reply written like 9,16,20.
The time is 5,27,14
